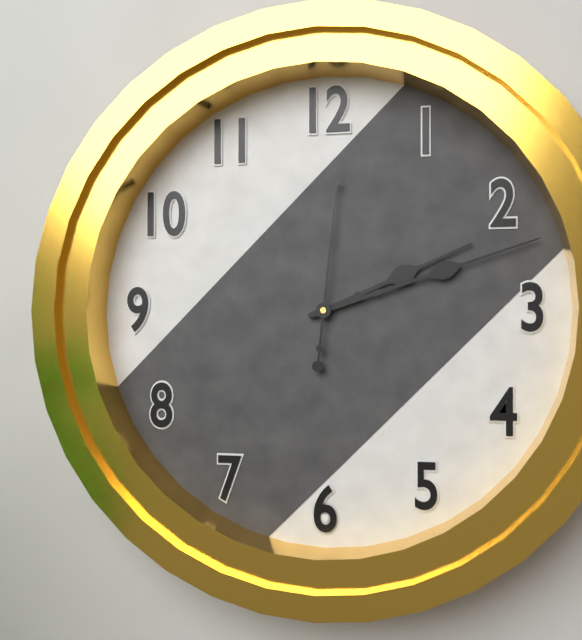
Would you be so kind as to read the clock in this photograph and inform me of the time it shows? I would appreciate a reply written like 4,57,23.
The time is 2,12,01
